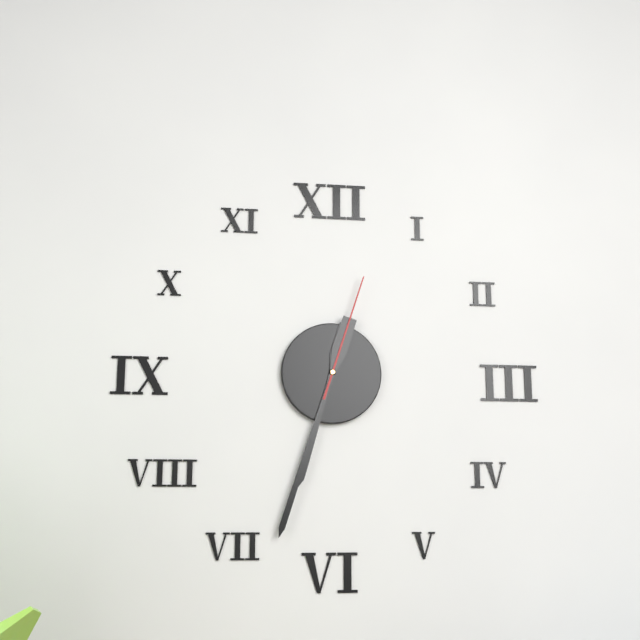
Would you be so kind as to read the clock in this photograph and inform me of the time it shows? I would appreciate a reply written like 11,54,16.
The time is 6,33,03
